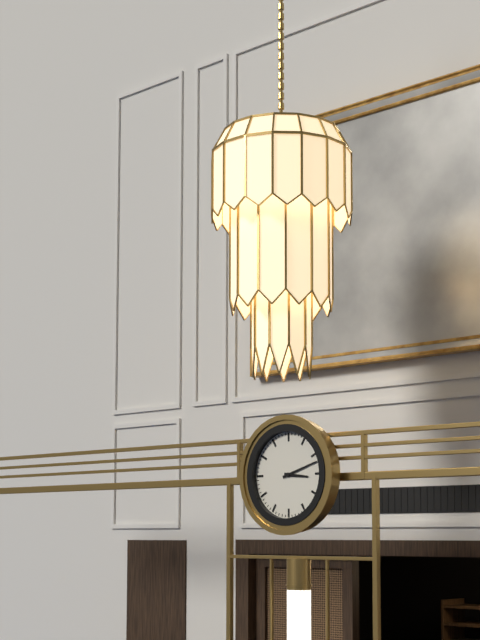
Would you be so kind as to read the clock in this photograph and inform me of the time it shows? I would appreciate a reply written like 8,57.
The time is 3,12
